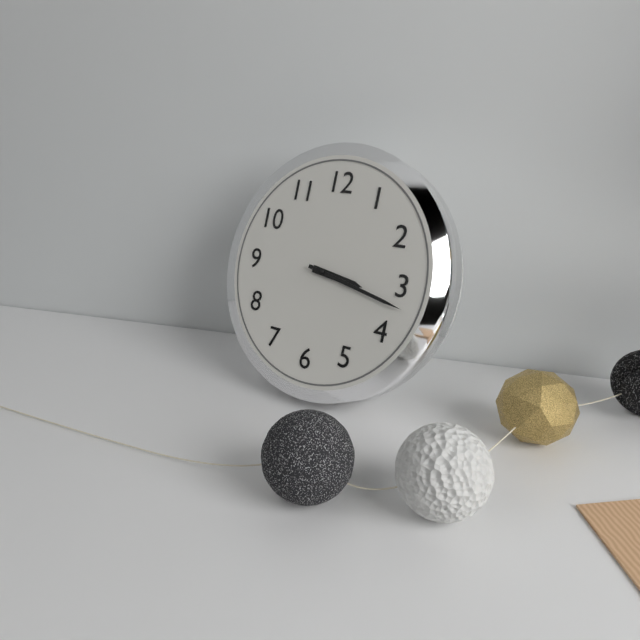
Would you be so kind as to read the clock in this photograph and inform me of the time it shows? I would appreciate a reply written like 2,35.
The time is 3,17
